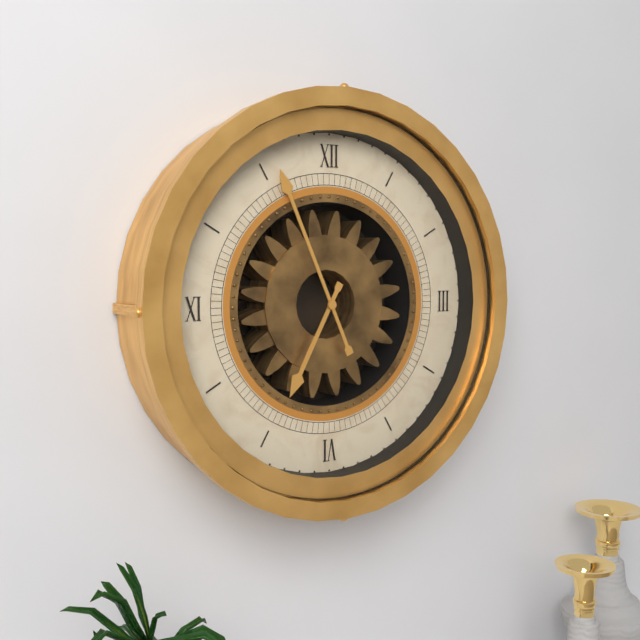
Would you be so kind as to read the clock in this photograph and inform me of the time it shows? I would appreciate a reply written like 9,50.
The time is 6,56
